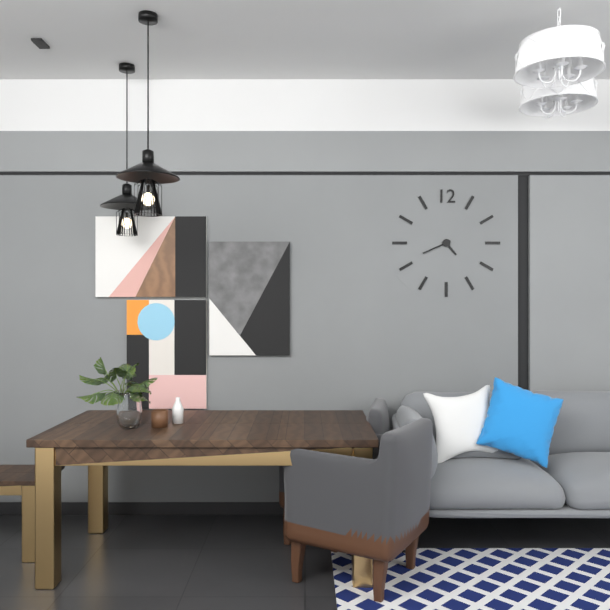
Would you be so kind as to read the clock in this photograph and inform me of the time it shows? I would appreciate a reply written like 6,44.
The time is 4,41
